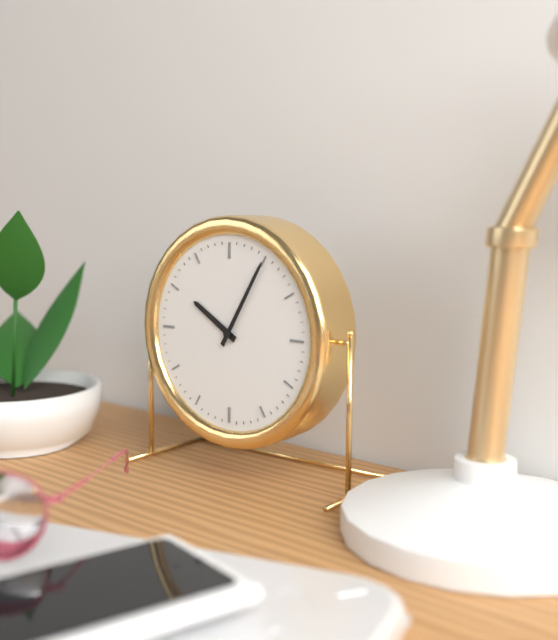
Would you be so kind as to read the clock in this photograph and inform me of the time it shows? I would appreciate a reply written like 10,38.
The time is 10,05
